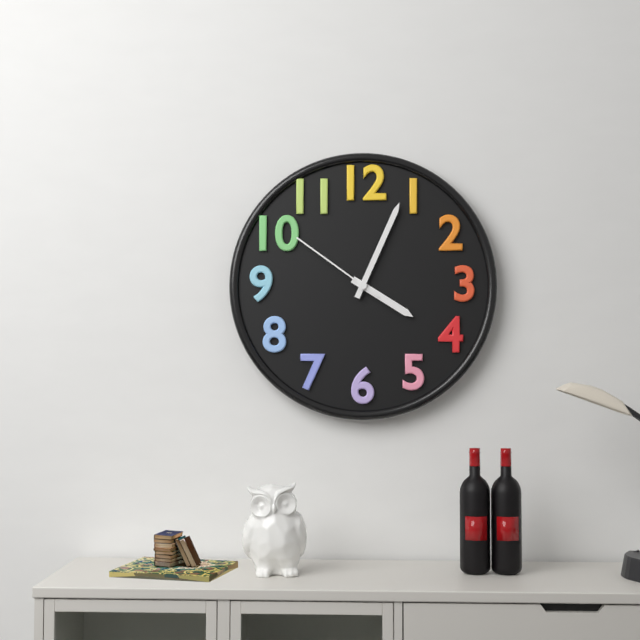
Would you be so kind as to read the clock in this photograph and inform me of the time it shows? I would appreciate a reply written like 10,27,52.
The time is 4,04,51
